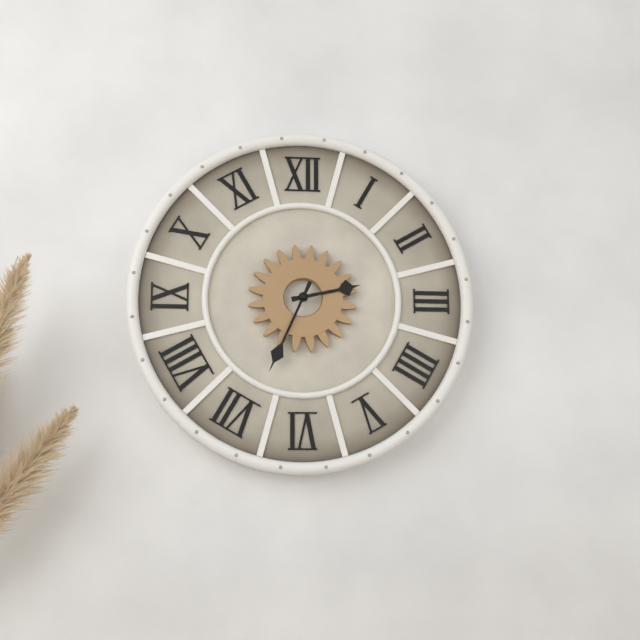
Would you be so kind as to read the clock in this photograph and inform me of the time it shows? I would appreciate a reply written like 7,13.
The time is 2,34
